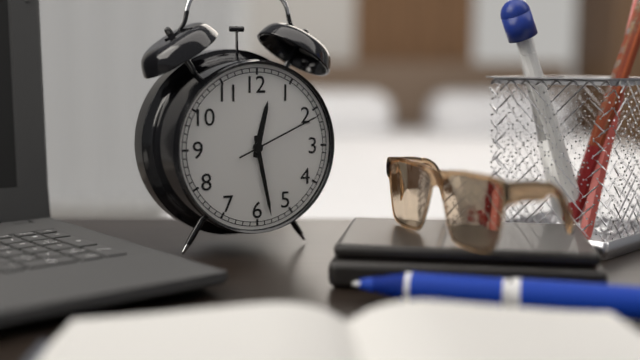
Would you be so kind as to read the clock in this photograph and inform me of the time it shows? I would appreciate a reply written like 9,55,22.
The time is 12,28,11
